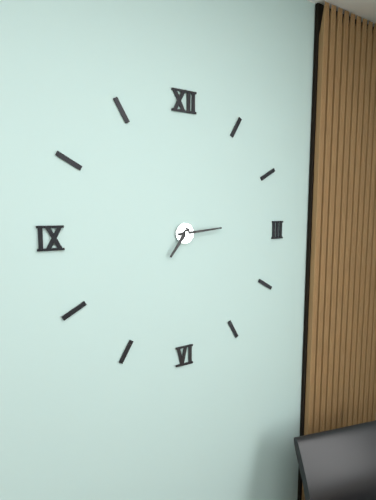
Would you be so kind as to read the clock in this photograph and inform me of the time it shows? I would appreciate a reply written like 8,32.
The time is 7,14
